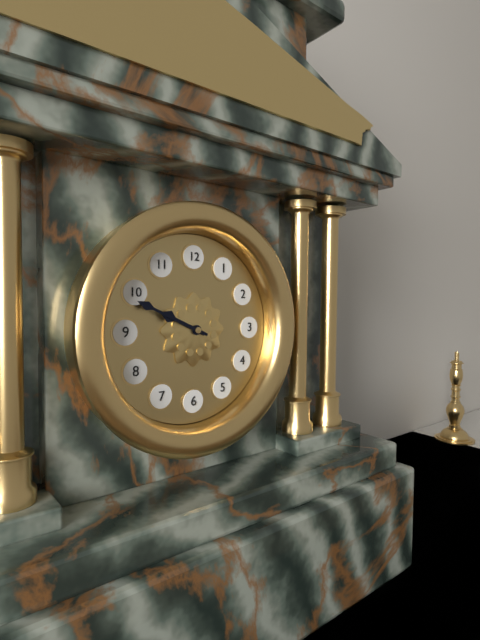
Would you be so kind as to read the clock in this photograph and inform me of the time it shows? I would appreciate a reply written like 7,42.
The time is 9,49
